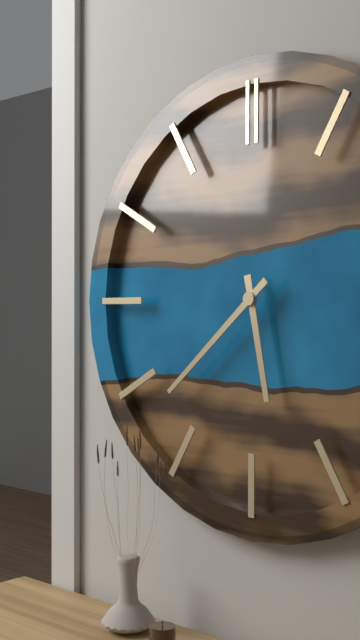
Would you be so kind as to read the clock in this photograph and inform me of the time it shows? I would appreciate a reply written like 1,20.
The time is 5,38
